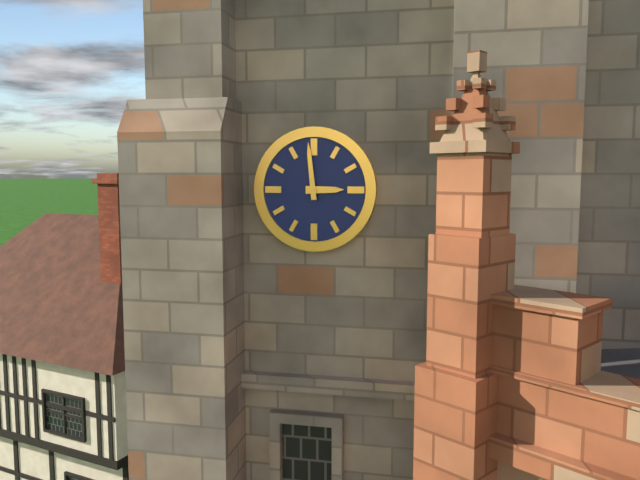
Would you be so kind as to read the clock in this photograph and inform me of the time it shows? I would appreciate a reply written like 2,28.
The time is 2,59
